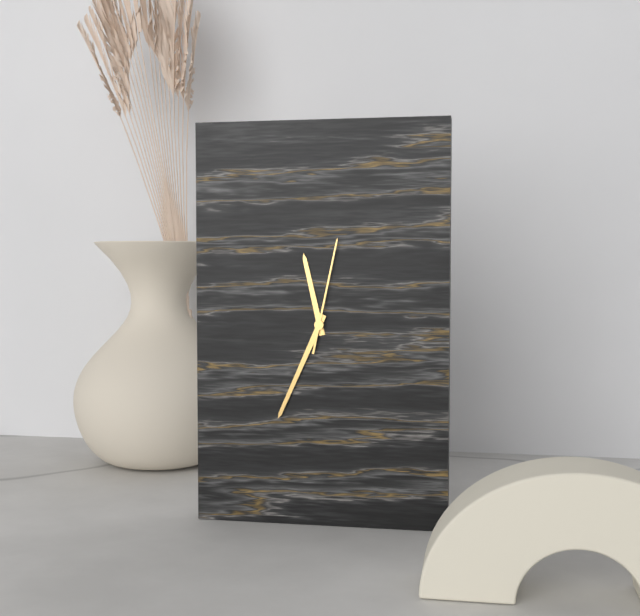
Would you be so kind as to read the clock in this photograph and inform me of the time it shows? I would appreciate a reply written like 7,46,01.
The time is 11,34,02
